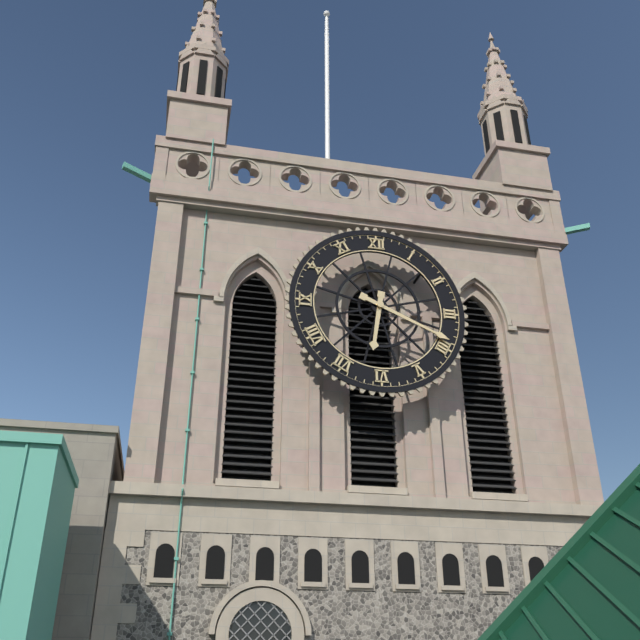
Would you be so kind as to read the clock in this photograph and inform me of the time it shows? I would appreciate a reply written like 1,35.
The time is 6,19
